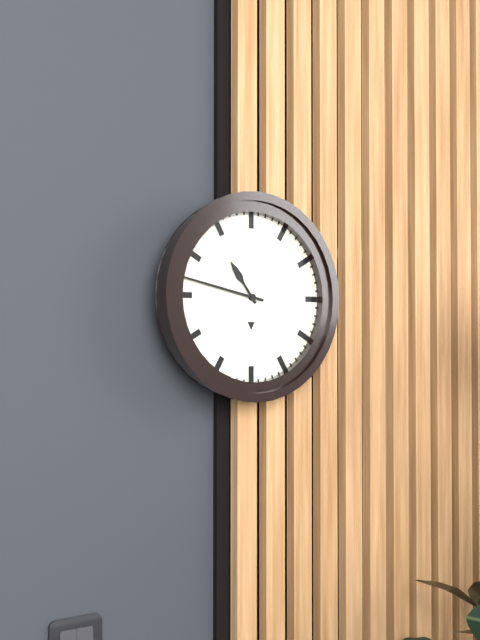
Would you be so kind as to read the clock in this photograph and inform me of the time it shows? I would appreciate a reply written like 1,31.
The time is 10,47
